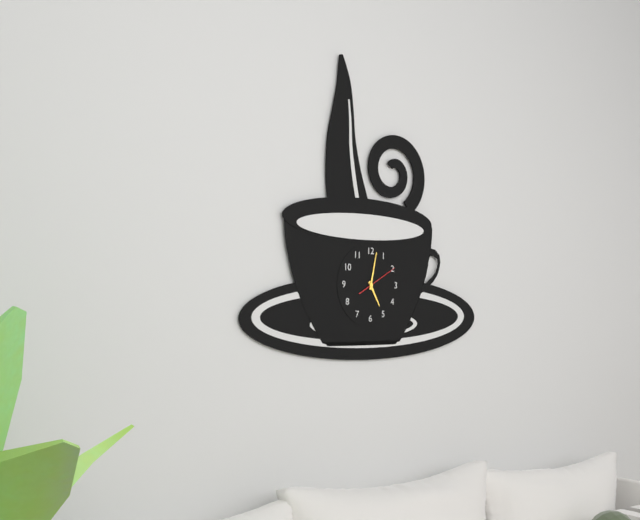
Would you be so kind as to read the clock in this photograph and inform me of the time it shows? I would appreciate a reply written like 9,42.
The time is 5,02
